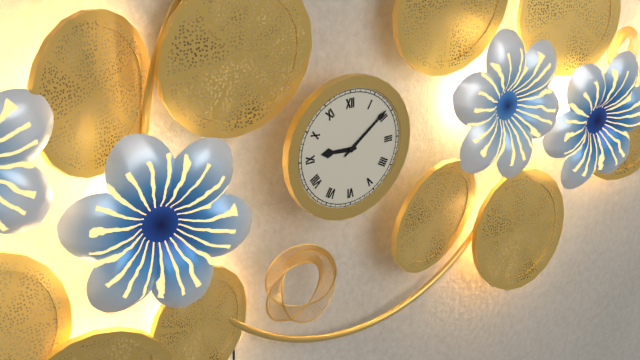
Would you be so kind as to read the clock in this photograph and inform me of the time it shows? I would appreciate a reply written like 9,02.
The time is 9,09
